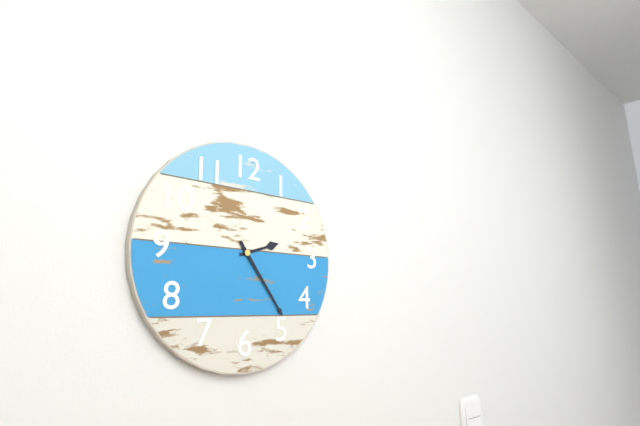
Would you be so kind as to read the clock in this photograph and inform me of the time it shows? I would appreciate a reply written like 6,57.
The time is 2,24
